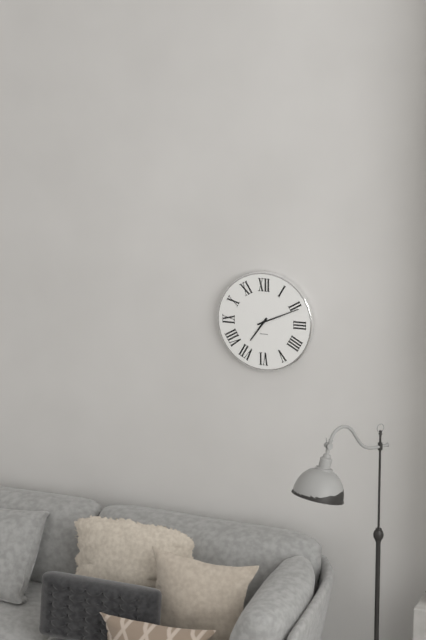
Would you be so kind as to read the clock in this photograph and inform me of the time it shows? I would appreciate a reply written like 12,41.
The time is 7,11
